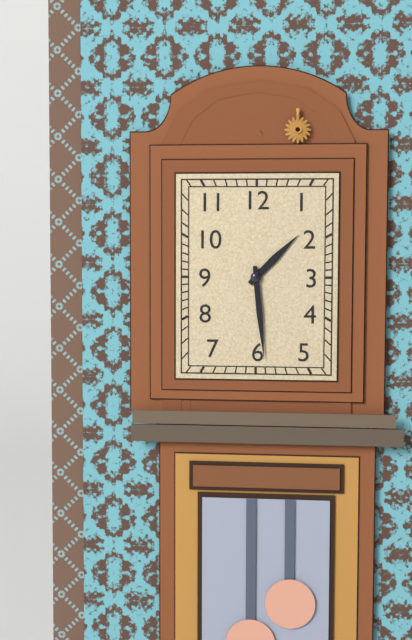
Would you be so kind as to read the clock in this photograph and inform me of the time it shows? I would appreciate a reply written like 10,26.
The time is 1,29
